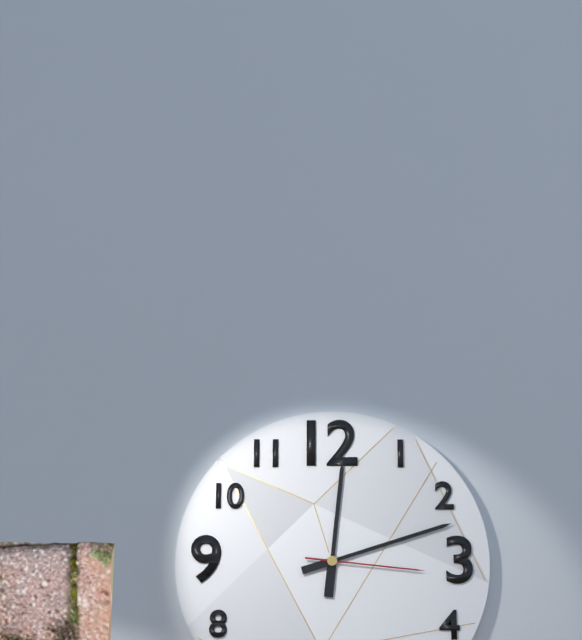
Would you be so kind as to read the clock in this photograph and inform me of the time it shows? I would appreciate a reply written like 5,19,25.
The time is 12,12,16
